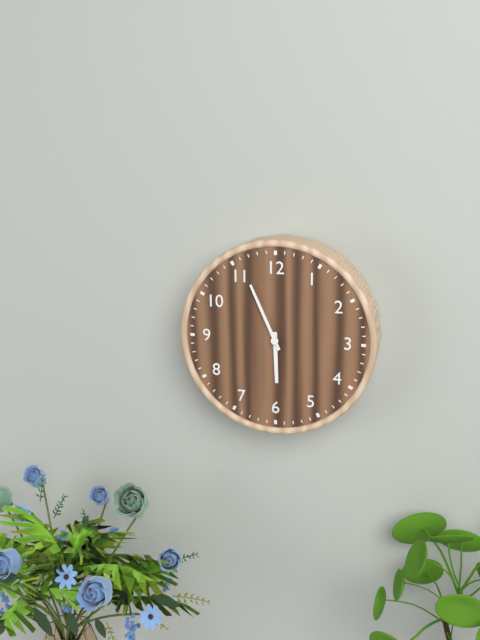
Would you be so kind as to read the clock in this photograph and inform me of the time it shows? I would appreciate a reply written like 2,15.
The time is 5,56
